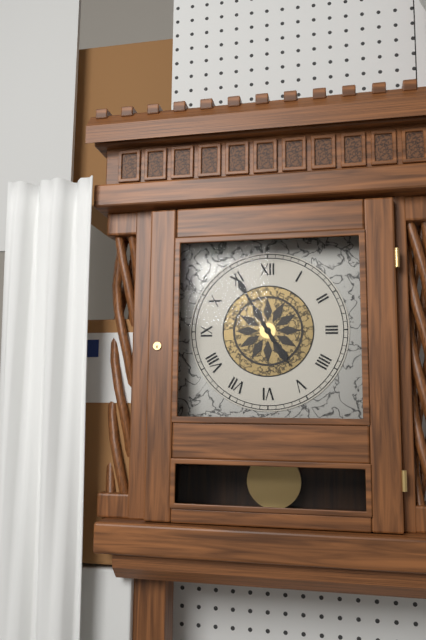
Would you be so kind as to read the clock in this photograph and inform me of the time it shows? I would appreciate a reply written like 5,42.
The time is 4,55
